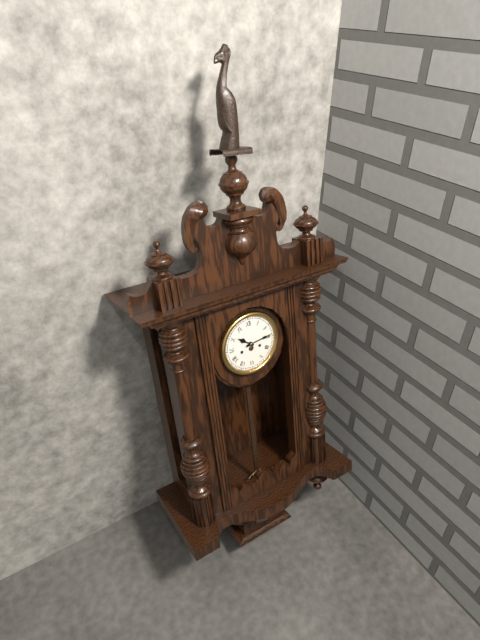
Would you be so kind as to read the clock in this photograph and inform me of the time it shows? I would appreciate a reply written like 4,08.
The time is 10,14
